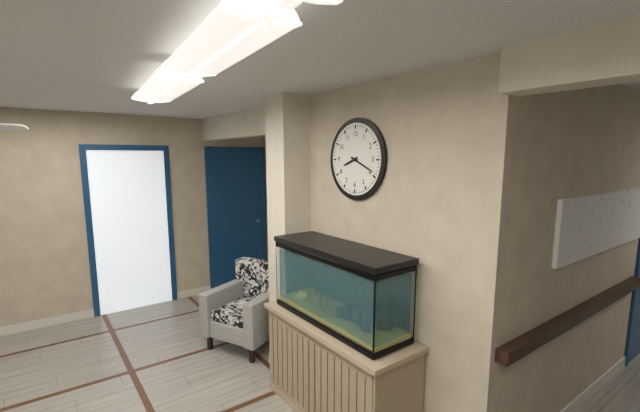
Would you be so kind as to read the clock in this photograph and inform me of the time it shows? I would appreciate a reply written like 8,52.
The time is 8,19
